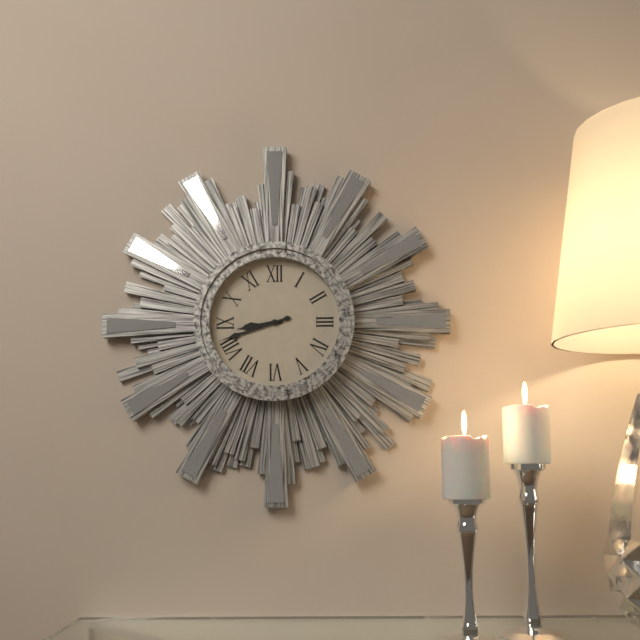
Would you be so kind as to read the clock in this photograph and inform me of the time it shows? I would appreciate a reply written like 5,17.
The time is 8,42
